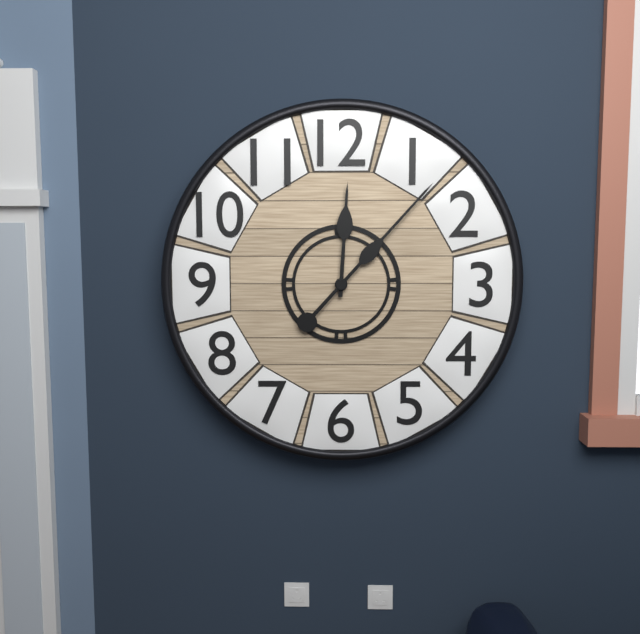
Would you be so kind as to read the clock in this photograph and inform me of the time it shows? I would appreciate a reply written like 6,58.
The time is 12,07
